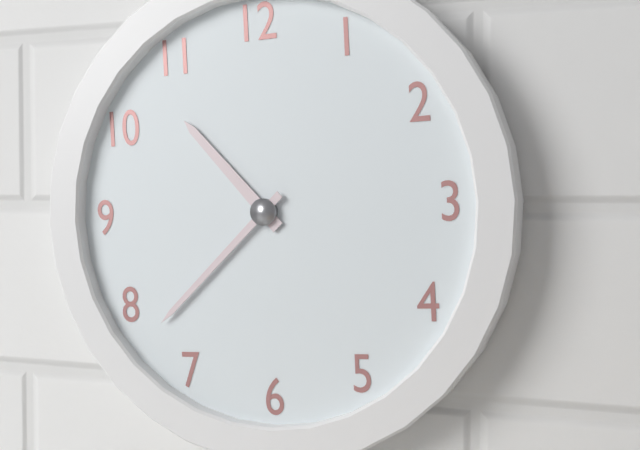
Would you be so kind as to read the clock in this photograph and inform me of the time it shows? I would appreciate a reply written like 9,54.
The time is 10,38
